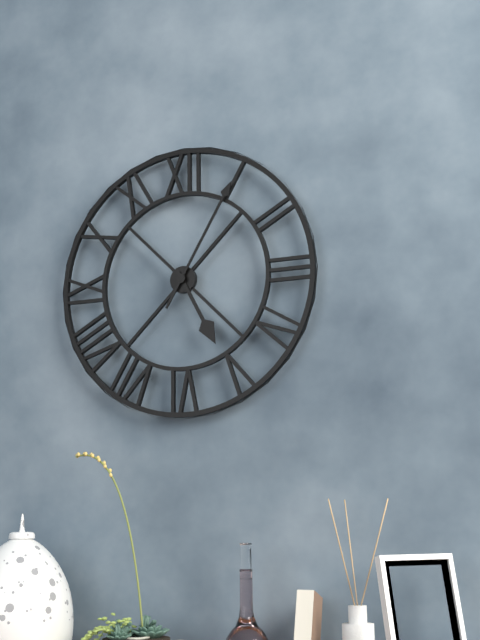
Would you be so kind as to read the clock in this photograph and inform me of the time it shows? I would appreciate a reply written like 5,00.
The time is 5,05
